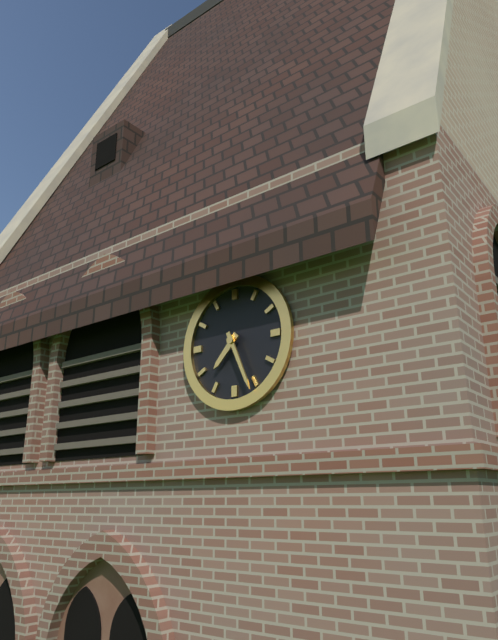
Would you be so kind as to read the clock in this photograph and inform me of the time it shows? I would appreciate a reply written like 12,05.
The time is 7,26
